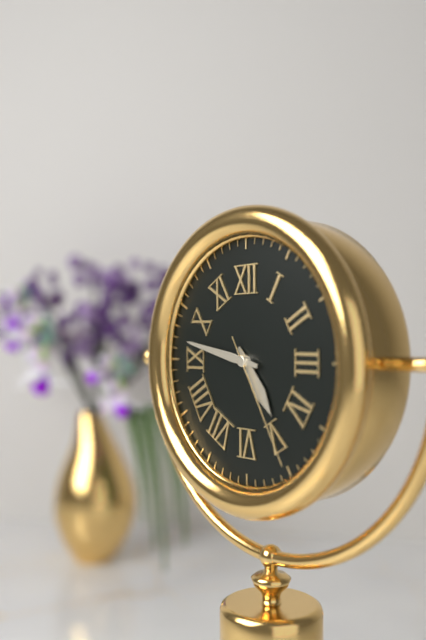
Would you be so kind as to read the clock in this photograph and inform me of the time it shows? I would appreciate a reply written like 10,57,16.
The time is 4,47,25
